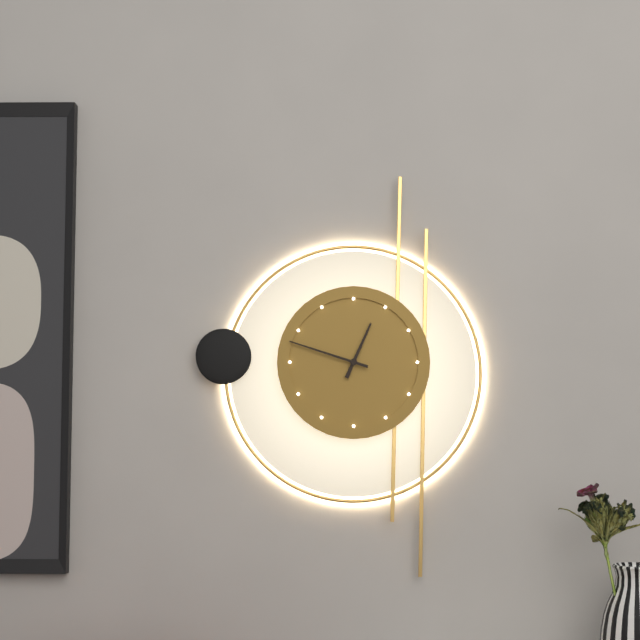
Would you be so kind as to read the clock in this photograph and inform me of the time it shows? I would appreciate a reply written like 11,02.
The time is 12,48
